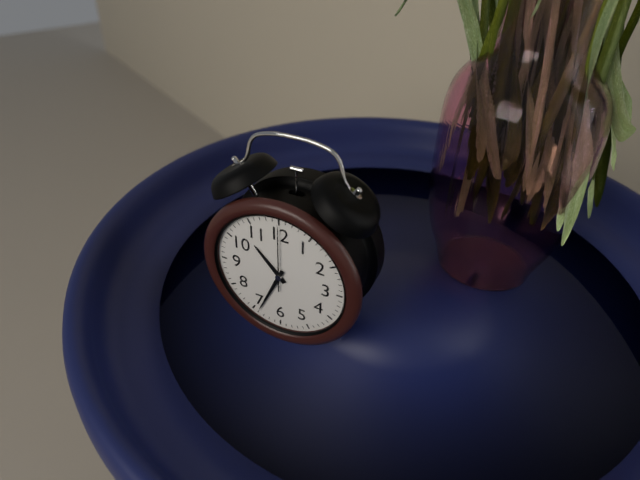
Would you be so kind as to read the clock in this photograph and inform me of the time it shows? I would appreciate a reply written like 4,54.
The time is 10,34
